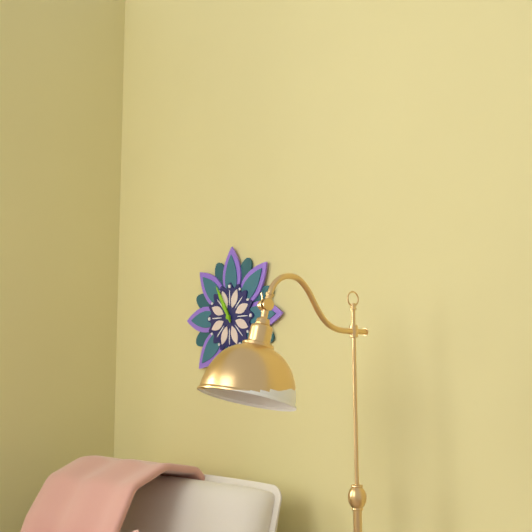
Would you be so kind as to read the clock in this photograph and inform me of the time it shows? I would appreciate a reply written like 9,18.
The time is 10,55
